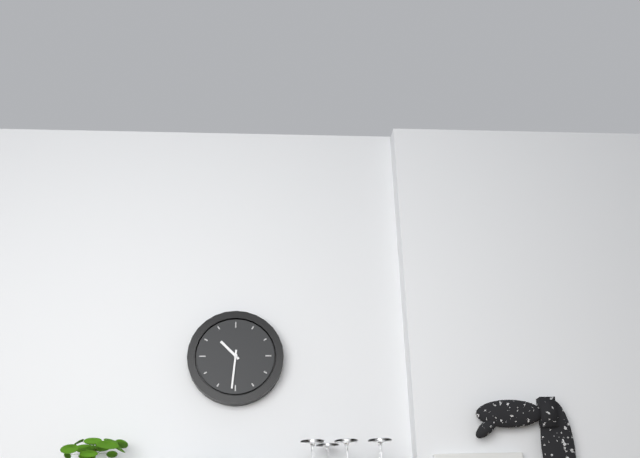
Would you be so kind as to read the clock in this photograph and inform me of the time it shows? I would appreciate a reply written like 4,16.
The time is 10,31
